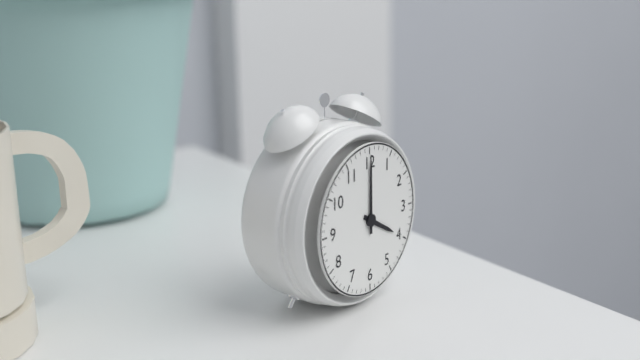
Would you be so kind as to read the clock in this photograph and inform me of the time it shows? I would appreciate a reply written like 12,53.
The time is 4,00
